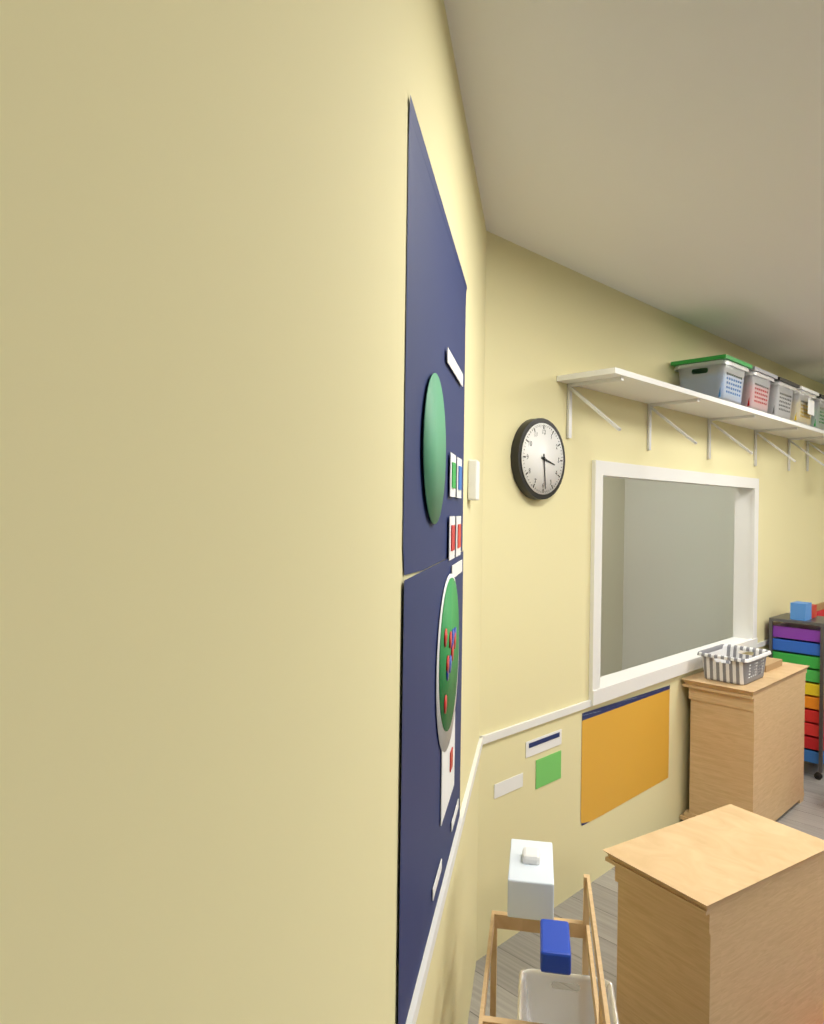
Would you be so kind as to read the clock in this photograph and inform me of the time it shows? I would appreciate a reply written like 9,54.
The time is 3,29
